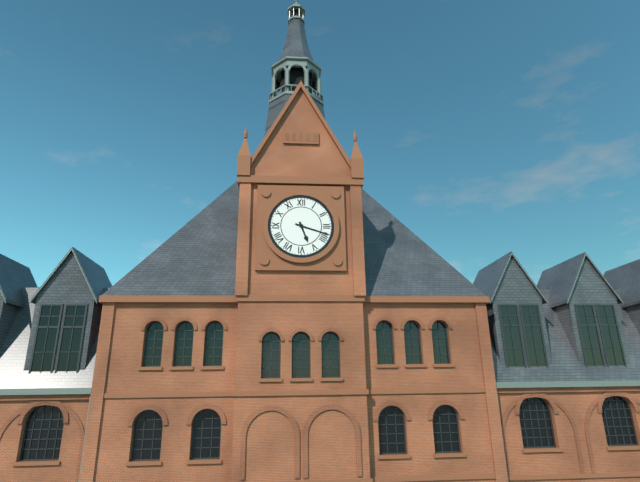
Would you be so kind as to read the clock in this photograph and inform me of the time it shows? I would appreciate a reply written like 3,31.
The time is 5,18
